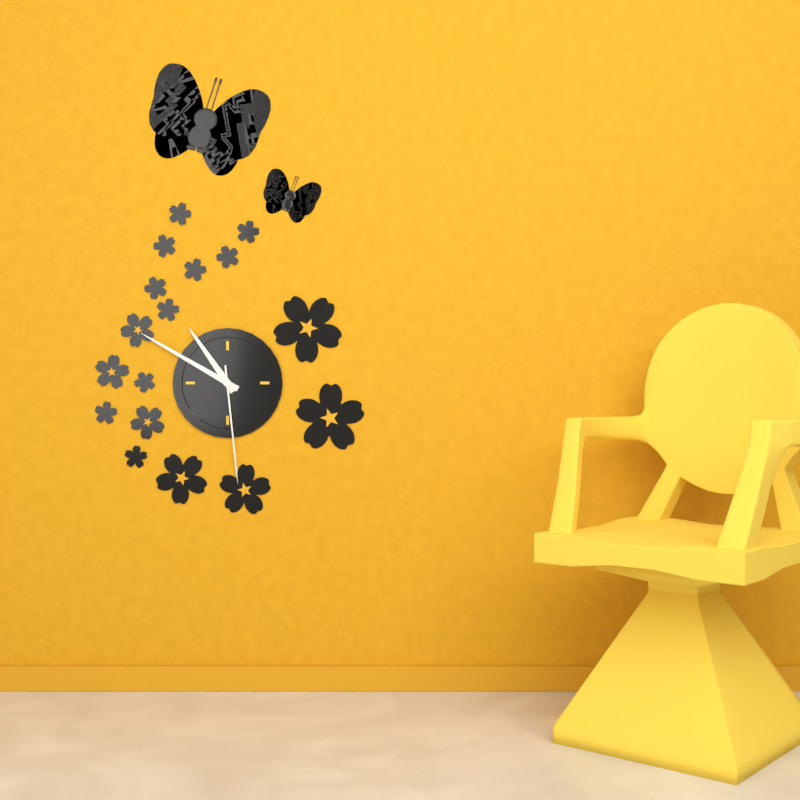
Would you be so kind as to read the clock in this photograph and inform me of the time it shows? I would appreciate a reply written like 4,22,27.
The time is 10,50,29
